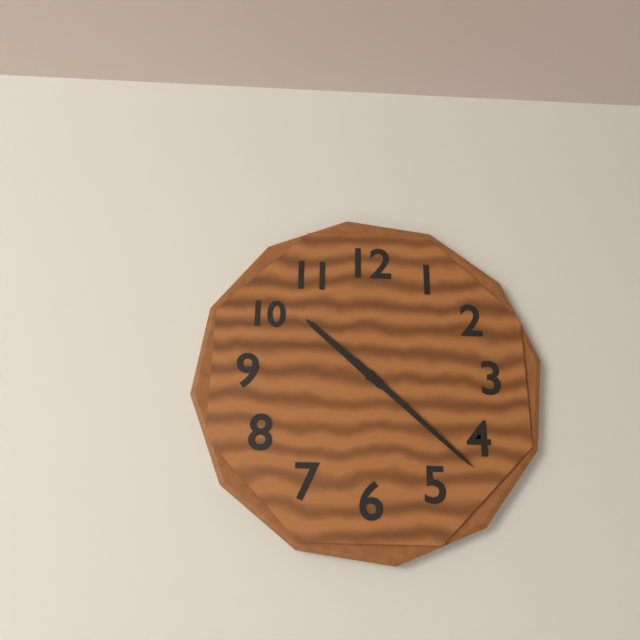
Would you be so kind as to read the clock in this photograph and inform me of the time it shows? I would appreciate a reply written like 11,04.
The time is 10,22
